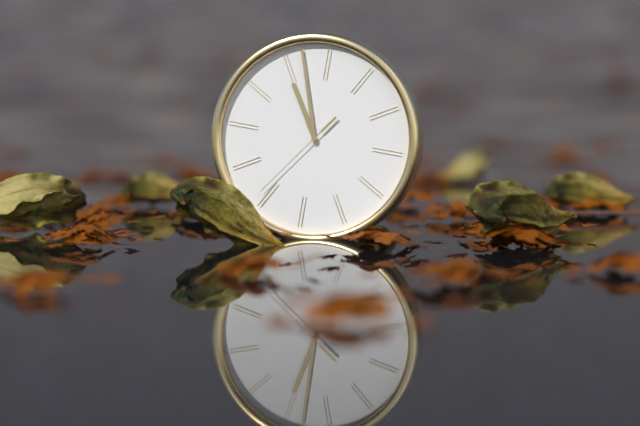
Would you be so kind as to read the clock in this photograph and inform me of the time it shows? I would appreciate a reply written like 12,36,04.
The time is 10,57,36
